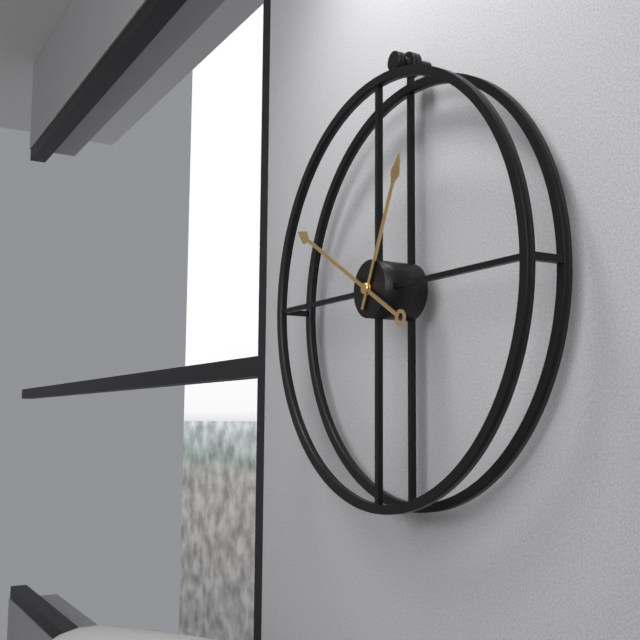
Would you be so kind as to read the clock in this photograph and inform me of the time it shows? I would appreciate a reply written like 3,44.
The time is 12,50
